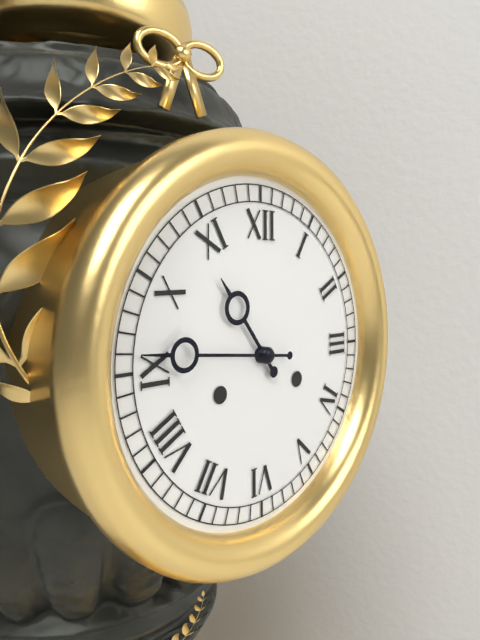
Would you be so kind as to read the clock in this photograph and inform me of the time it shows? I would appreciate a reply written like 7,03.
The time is 10,46
